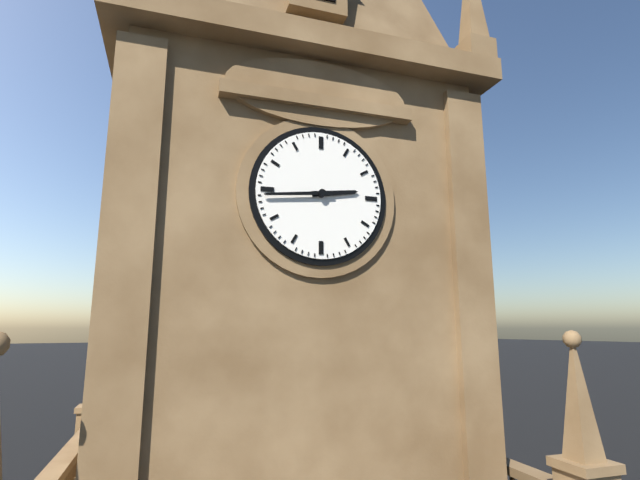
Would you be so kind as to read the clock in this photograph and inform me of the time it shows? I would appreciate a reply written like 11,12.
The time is 2,44
